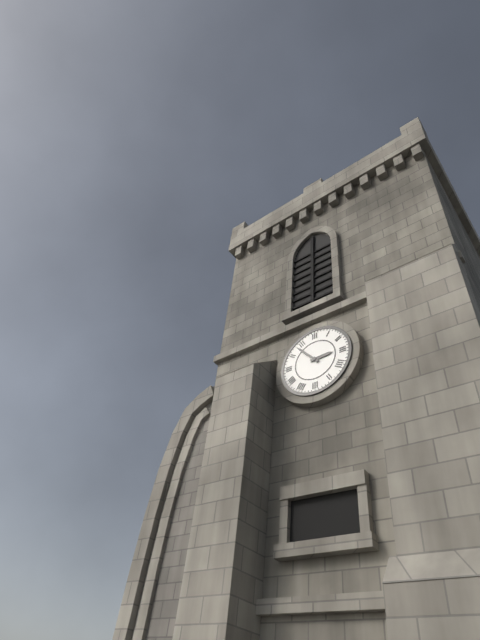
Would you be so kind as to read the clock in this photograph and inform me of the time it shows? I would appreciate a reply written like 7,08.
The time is 2,53
